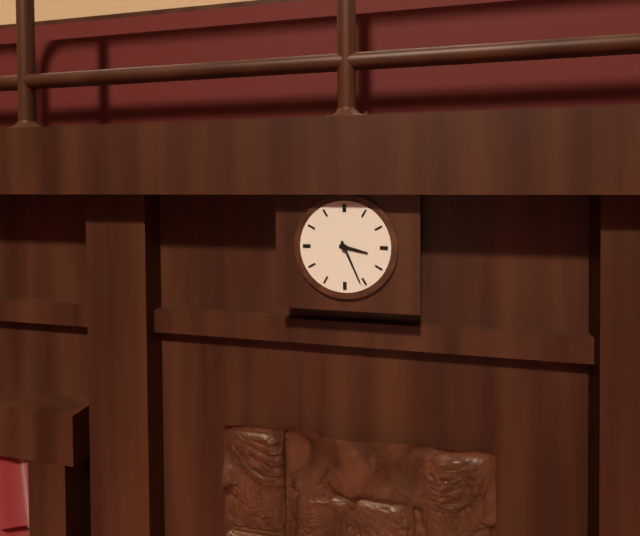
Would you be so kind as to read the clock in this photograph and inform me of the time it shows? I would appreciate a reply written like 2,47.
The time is 3,26
